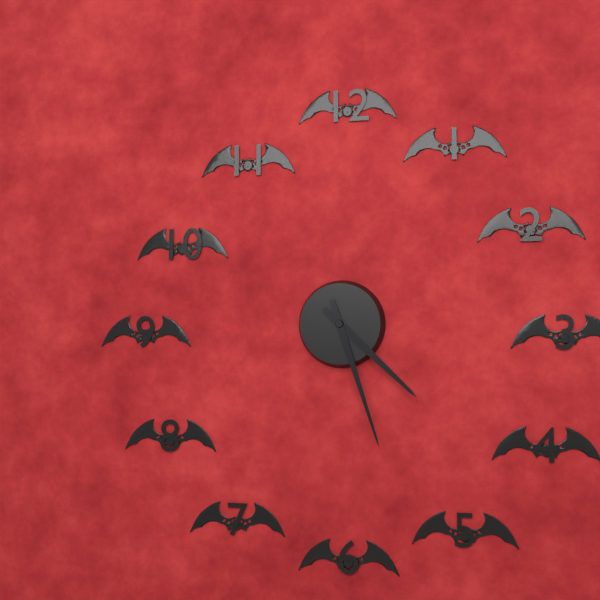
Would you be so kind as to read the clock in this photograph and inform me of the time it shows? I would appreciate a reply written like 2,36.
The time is 4,27
